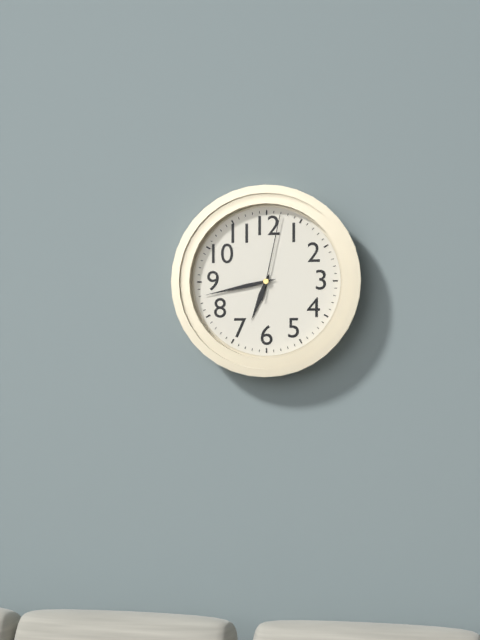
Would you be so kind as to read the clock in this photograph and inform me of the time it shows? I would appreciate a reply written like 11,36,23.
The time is 6,43,02
